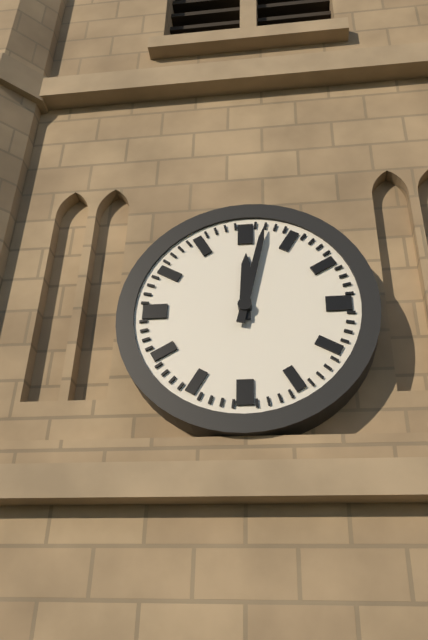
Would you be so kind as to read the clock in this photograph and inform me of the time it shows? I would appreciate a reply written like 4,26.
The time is 12,02
